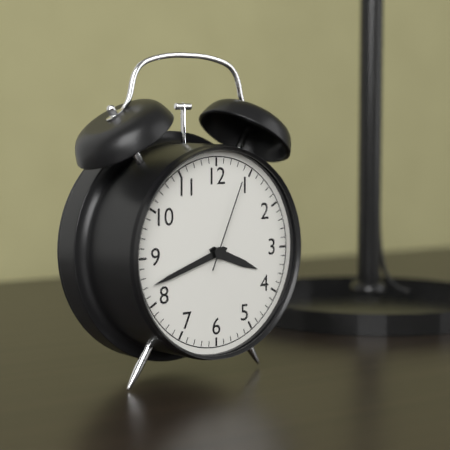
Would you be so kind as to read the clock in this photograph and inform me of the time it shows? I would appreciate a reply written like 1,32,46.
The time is 3,42,04
